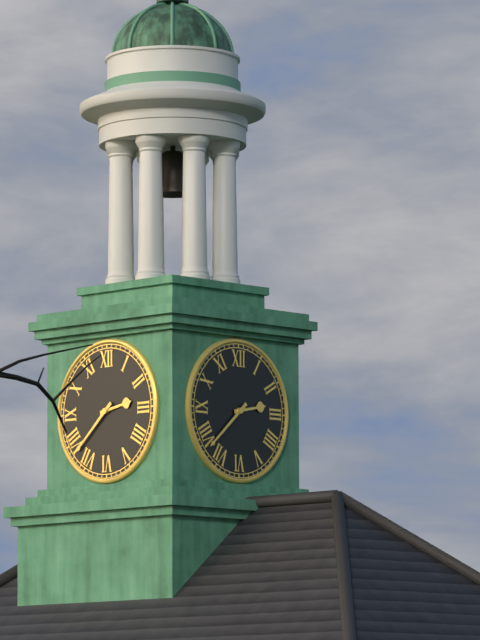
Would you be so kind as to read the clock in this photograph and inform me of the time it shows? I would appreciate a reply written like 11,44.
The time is 2,38
